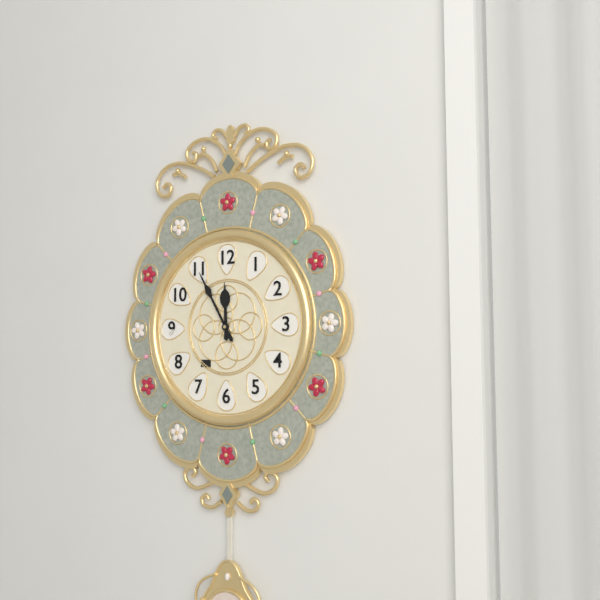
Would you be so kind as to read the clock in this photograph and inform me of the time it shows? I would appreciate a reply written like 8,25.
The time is 11,55
